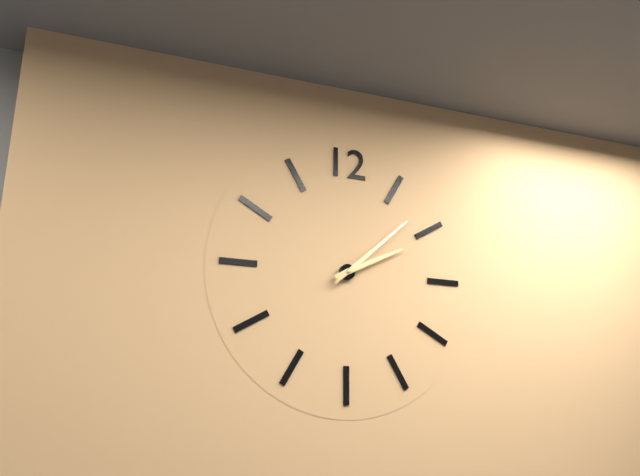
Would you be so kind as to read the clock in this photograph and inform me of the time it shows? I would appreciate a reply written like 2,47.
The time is 2,08
